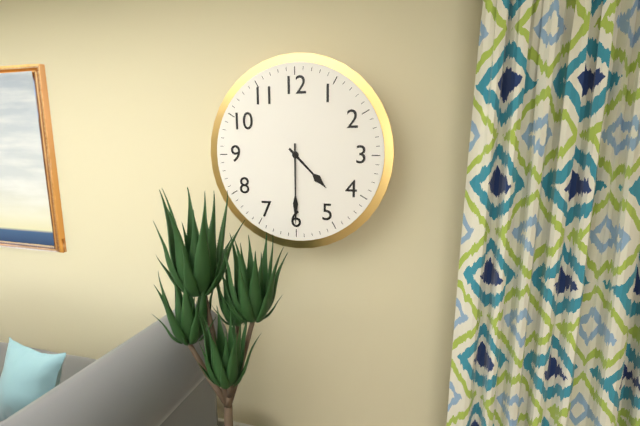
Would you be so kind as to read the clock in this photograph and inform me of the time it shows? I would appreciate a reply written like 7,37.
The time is 4,30
